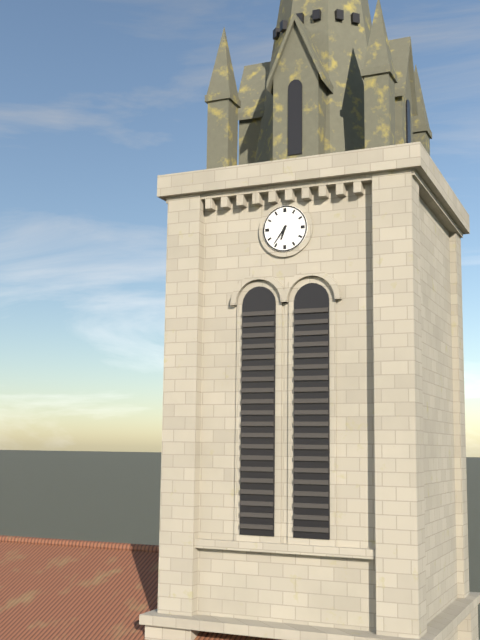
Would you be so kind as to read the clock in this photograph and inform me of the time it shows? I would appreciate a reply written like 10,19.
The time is 6,36
